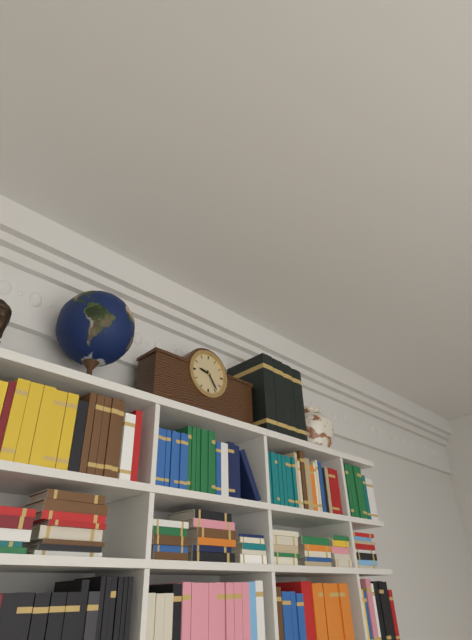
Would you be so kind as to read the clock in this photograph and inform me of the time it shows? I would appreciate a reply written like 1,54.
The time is 9,24
